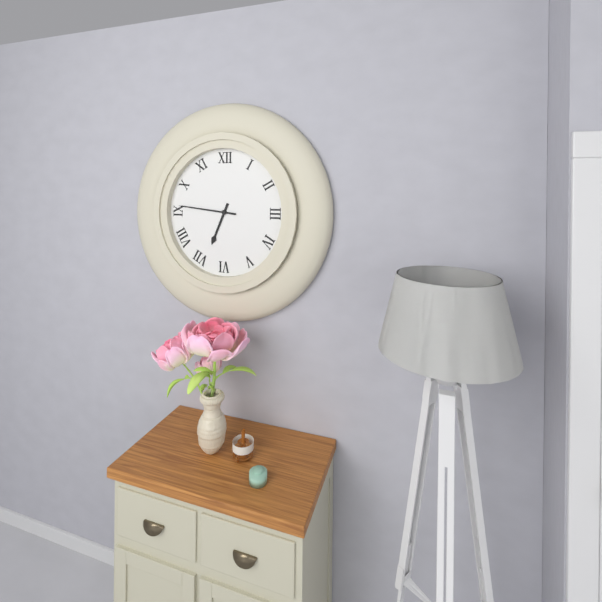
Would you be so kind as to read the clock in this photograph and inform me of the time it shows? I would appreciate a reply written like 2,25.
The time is 6,46
